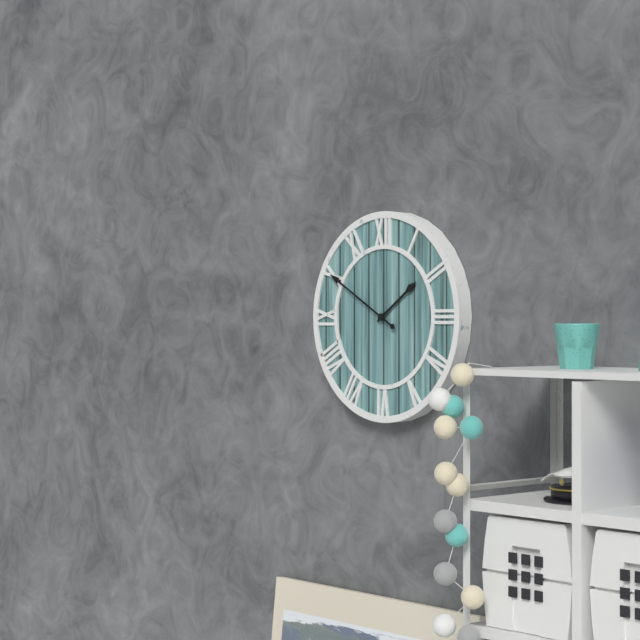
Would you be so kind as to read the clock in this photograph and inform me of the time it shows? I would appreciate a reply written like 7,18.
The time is 1,50
